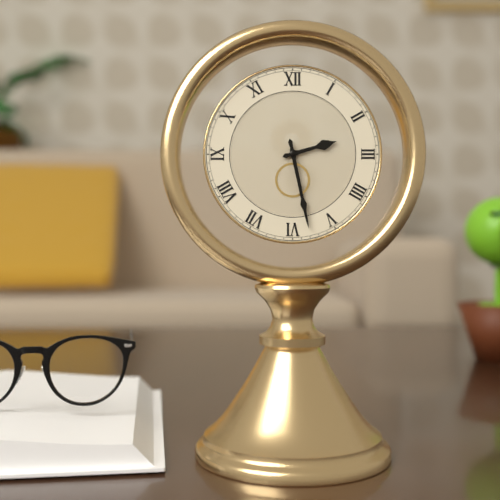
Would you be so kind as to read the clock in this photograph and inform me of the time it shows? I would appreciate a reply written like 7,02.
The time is 2,28
